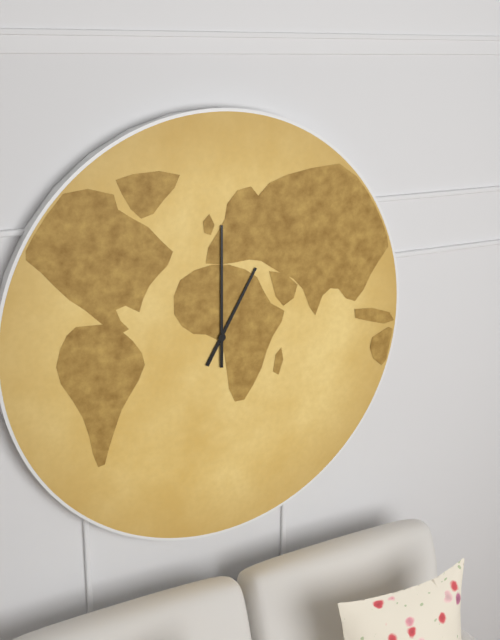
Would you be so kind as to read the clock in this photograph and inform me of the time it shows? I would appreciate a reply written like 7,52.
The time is 1,00
